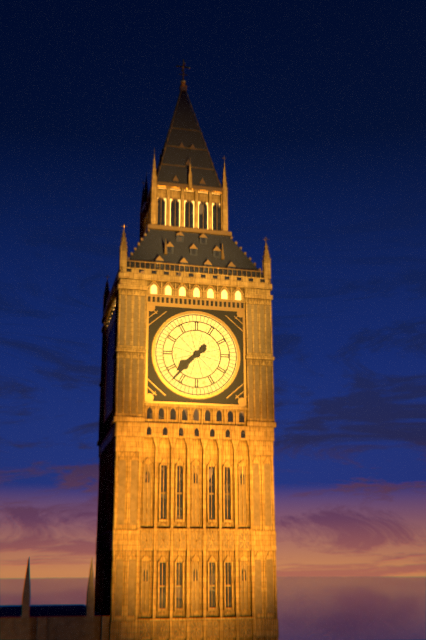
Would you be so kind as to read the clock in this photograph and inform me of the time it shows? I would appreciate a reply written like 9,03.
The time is 7,37
